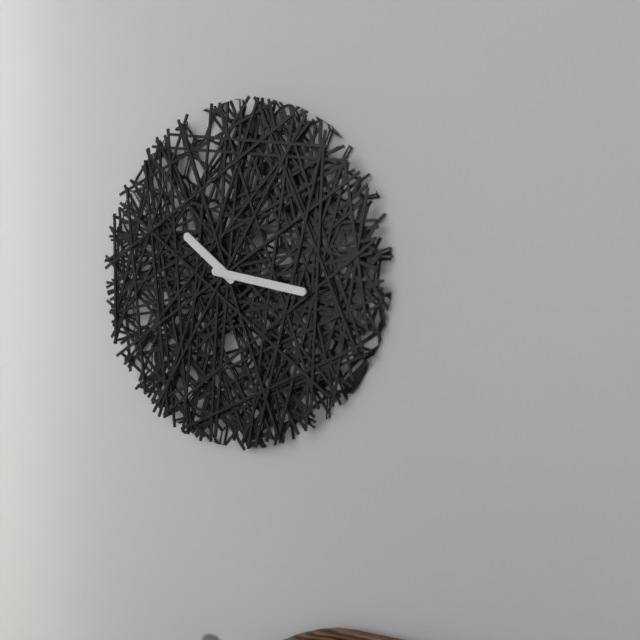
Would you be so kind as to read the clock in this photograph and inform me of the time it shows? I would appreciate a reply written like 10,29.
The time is 10,17
